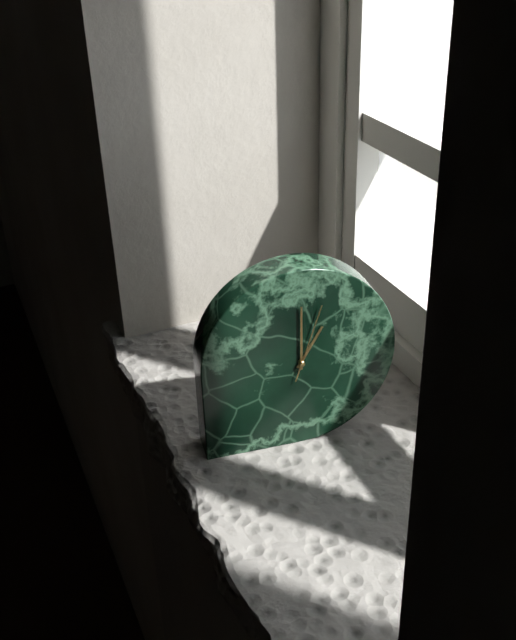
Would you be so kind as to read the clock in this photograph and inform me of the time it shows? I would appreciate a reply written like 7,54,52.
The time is 1,00,03
